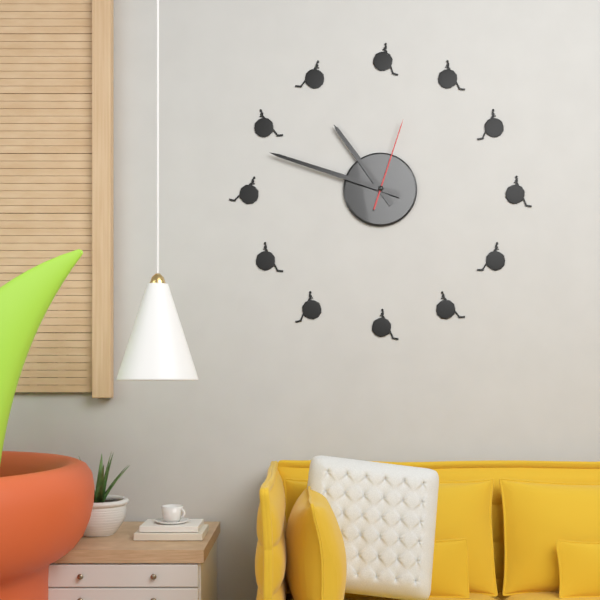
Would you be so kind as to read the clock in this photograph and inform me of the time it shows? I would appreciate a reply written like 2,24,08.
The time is 10,48,03
